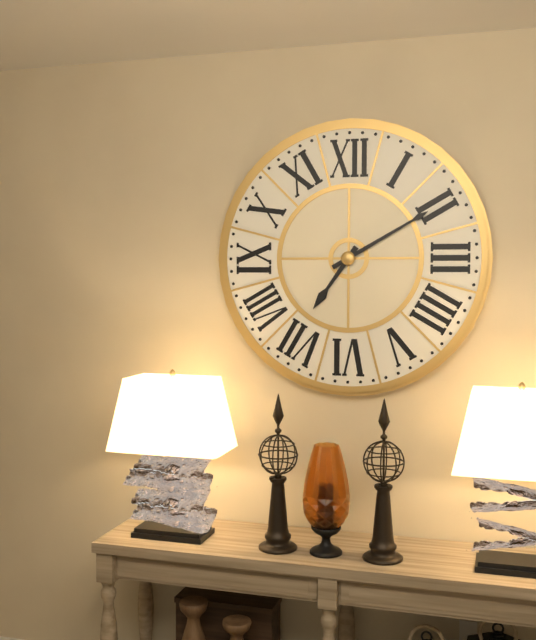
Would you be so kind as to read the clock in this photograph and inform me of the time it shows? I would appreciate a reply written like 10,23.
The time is 7,10
